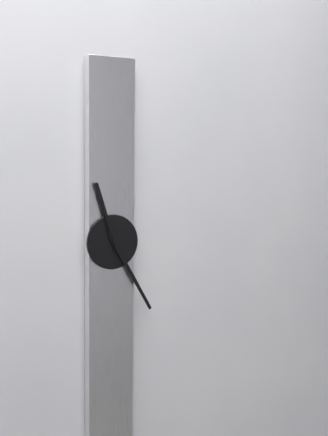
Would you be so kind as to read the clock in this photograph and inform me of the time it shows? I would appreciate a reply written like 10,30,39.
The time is 11,25,57
